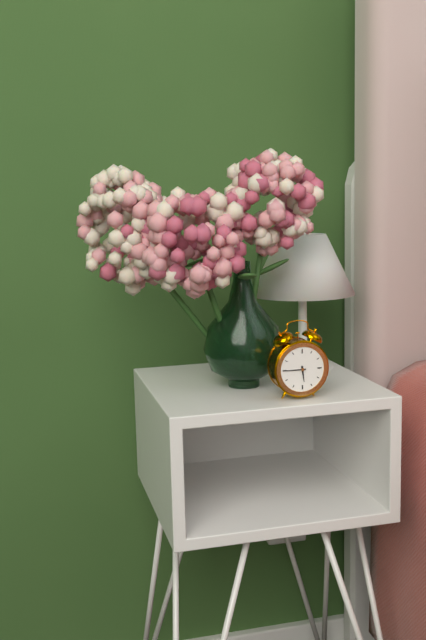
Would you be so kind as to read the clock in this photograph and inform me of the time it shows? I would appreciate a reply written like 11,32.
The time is 5,45
